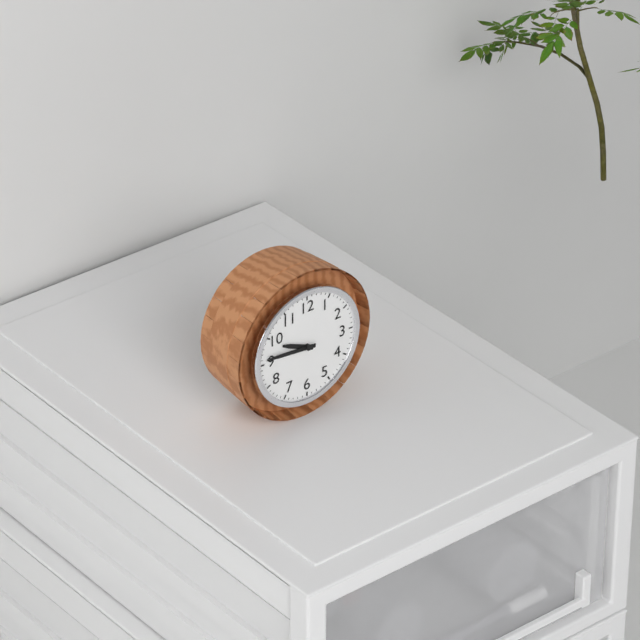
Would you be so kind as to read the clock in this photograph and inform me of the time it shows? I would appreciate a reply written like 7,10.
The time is 9,46
